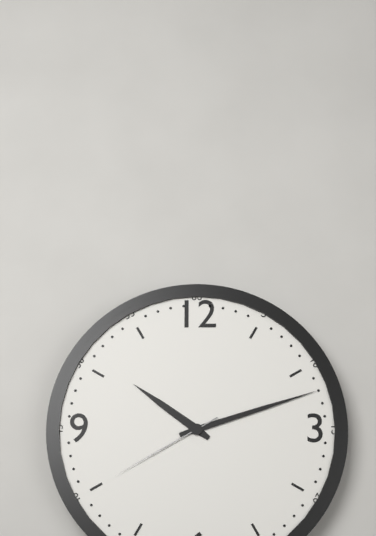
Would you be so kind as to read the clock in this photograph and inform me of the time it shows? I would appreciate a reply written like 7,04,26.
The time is 10,12,40
